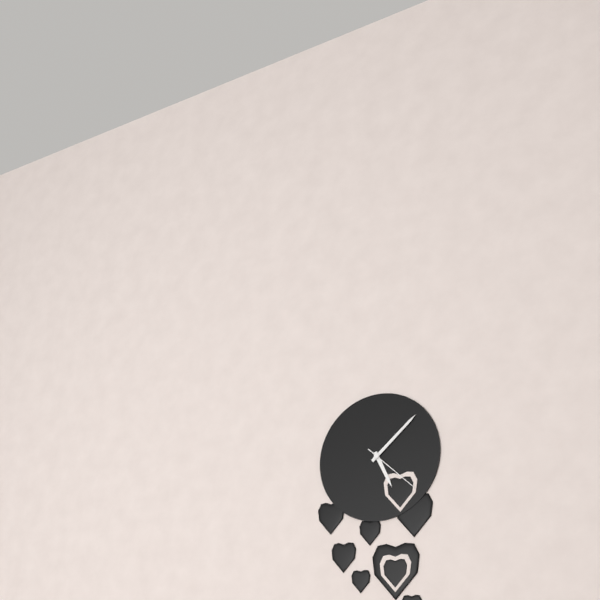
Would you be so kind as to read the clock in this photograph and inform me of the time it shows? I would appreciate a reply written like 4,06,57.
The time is 5,08,22
